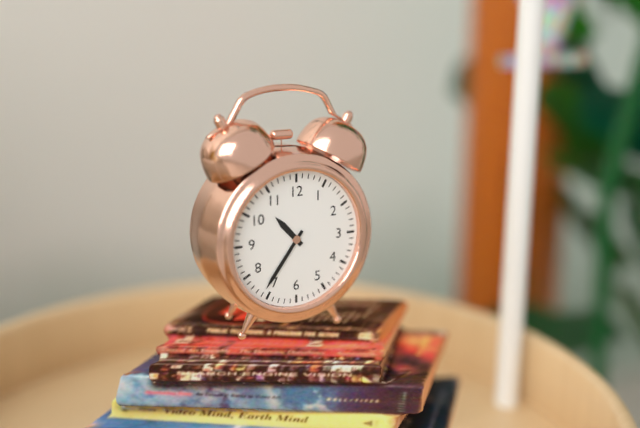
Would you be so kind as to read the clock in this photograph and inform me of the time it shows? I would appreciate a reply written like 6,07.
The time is 10,36
